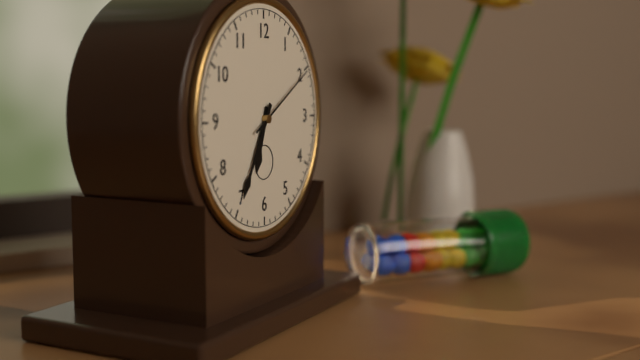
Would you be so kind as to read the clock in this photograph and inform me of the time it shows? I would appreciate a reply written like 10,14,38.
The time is 6,35,10
